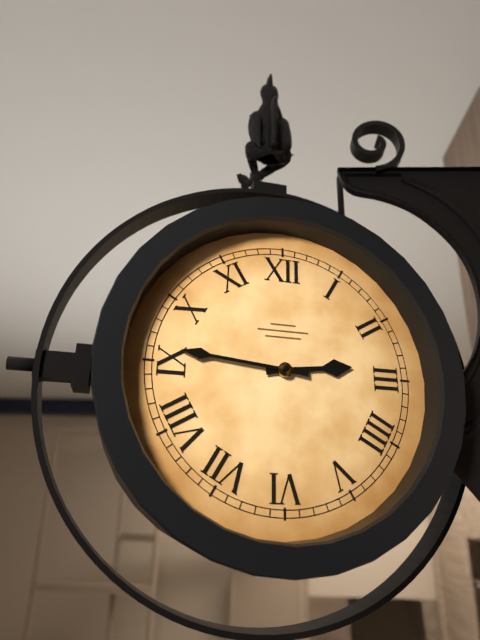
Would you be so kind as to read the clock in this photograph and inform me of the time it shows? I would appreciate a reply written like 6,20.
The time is 2,46
